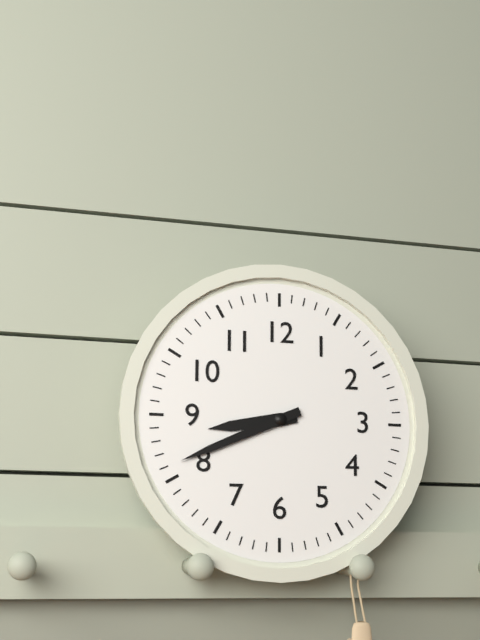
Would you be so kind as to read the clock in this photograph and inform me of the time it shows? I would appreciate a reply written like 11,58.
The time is 8,41
